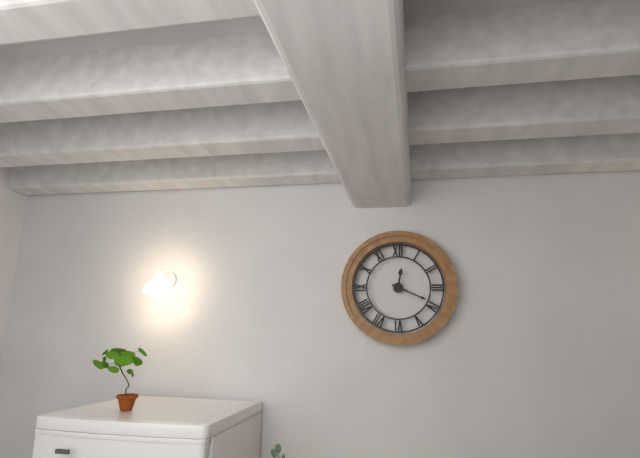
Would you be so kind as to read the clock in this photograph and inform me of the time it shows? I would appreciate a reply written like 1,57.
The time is 12,19
